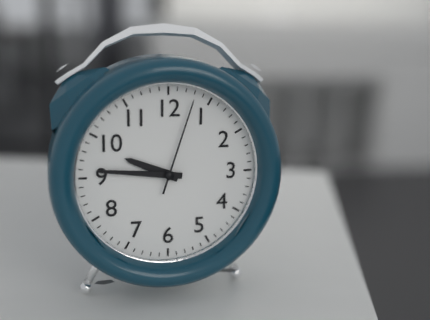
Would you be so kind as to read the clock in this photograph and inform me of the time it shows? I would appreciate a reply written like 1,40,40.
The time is 9,46,03
